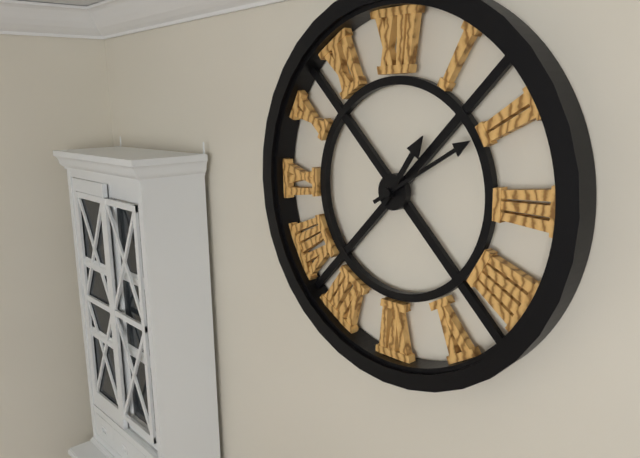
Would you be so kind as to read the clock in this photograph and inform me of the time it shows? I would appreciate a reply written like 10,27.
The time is 1,10
